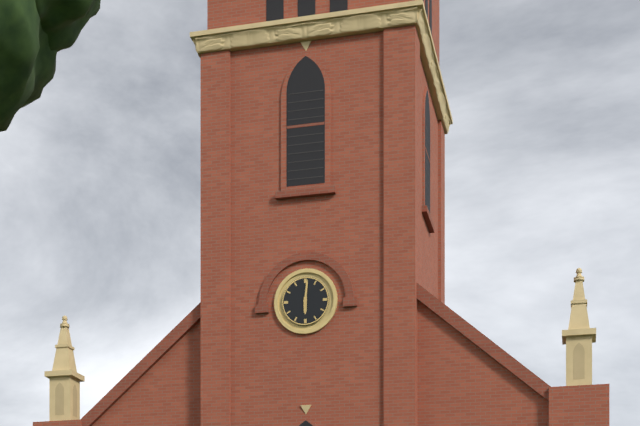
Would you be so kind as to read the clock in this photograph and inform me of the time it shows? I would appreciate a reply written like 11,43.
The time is 6,01
